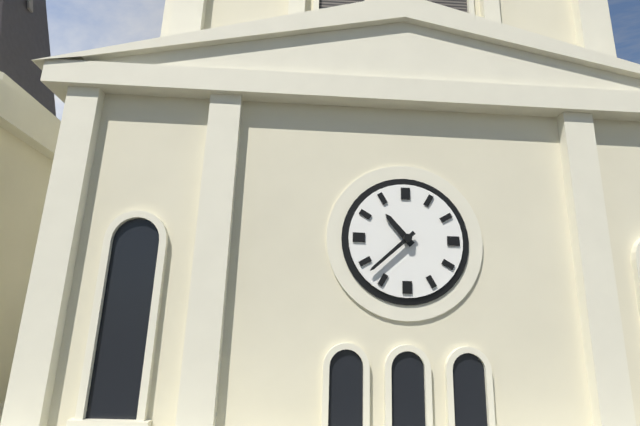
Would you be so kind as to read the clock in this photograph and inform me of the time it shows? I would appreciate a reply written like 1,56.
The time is 10,38
